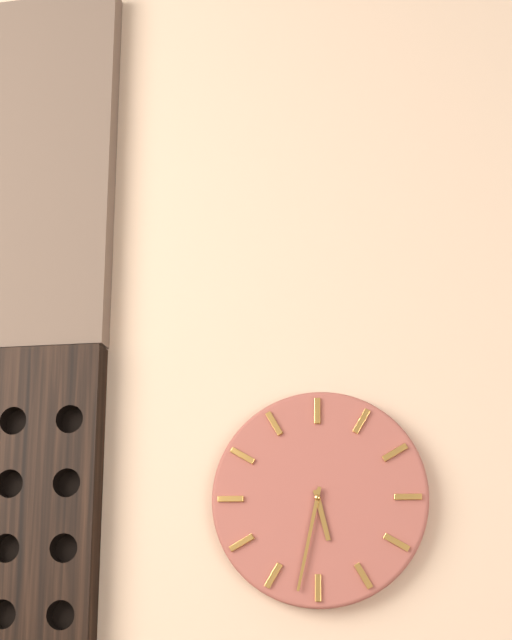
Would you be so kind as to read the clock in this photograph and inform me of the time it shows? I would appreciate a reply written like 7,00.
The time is 5,32
